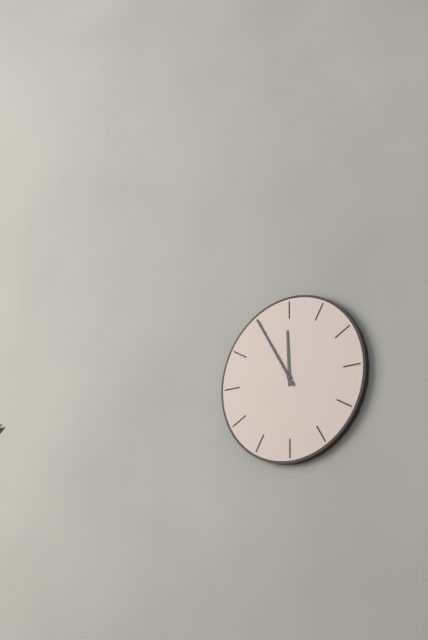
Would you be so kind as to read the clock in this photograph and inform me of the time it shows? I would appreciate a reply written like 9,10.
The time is 11,55
